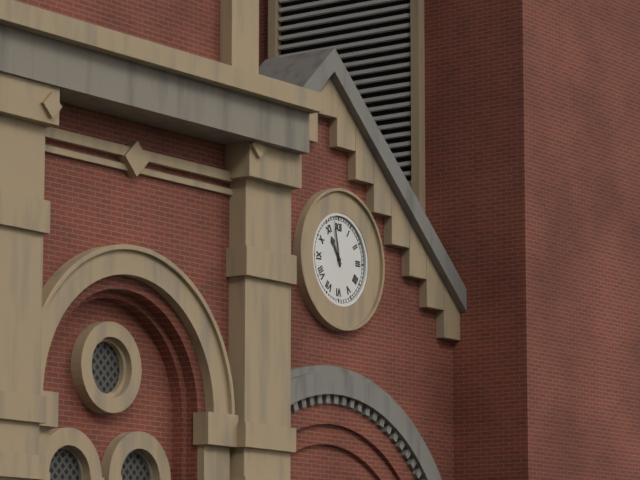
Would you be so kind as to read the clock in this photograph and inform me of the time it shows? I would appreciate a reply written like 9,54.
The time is 10,58
